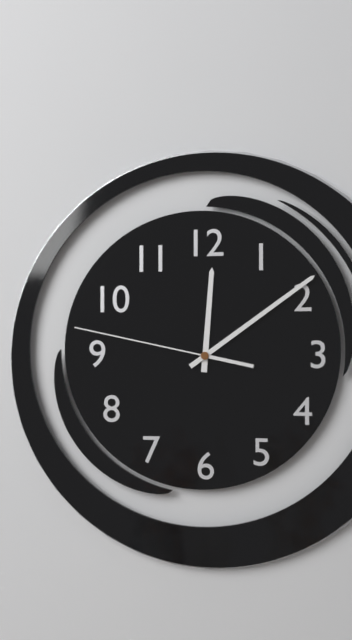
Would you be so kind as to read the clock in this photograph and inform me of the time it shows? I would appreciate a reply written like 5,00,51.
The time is 12,09,47
